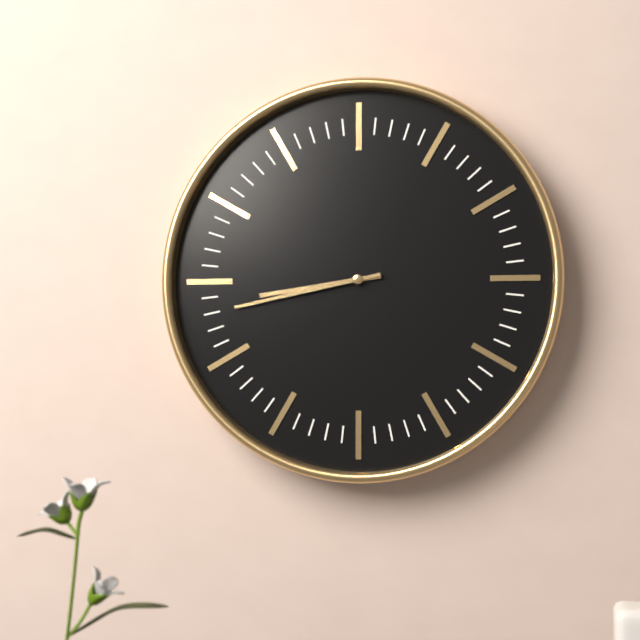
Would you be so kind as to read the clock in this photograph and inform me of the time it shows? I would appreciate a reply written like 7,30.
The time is 8,43
